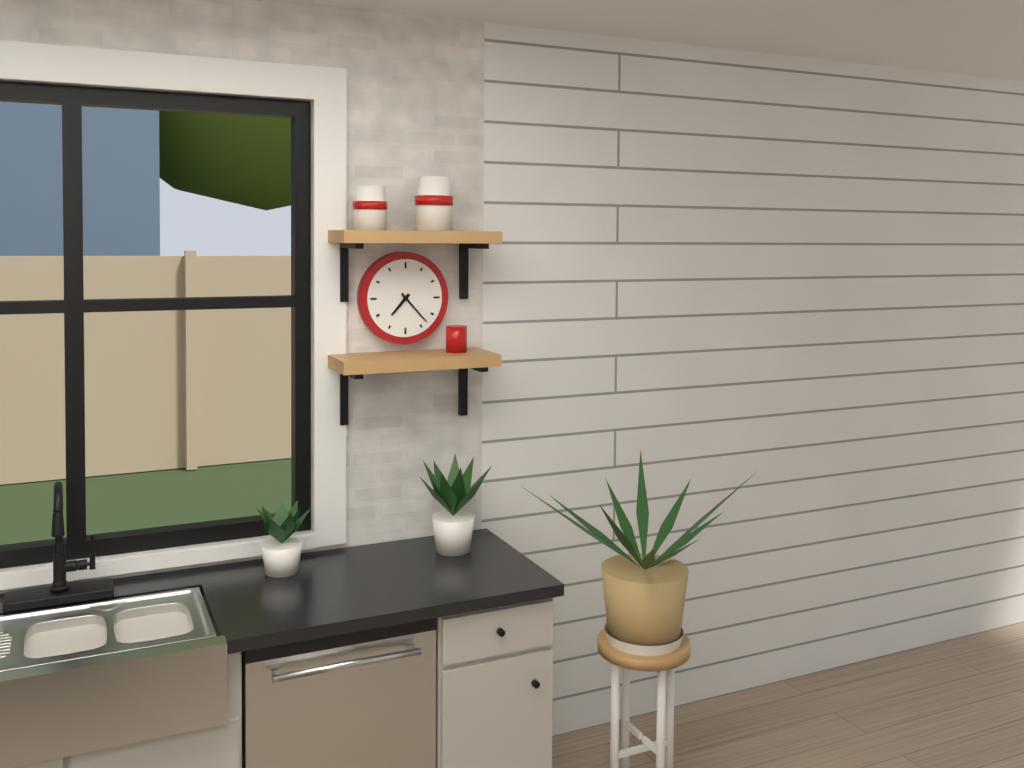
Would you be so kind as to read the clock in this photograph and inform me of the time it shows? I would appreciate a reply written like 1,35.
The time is 7,23
